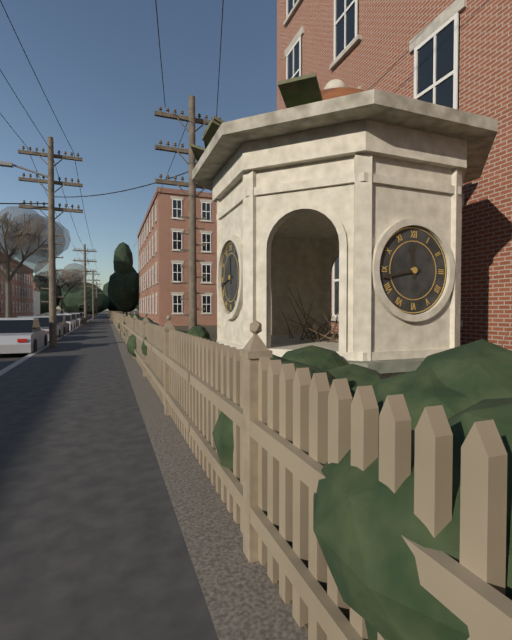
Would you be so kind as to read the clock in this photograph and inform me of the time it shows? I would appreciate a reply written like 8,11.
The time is 11,43
